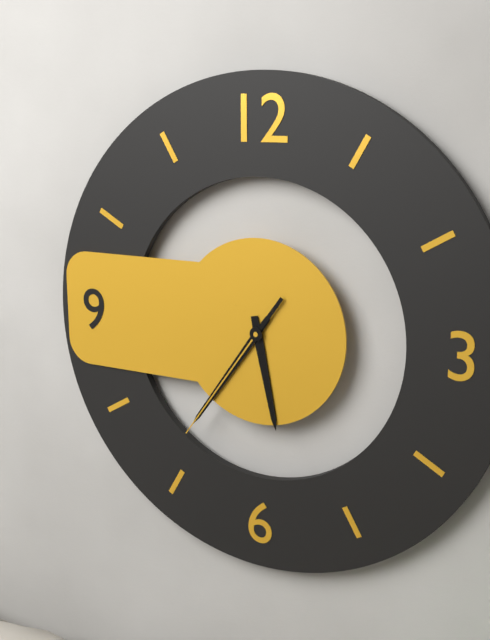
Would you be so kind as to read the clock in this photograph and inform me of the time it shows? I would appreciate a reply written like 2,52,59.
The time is 5,36,36
